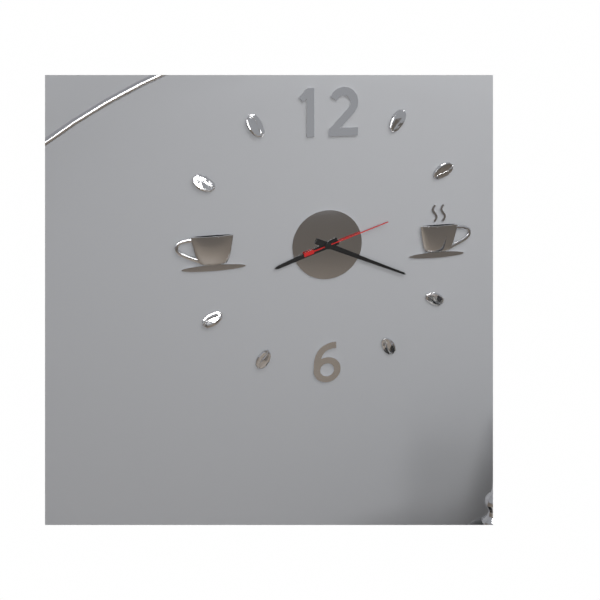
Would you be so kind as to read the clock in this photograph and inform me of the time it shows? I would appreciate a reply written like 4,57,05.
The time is 8,19,12
